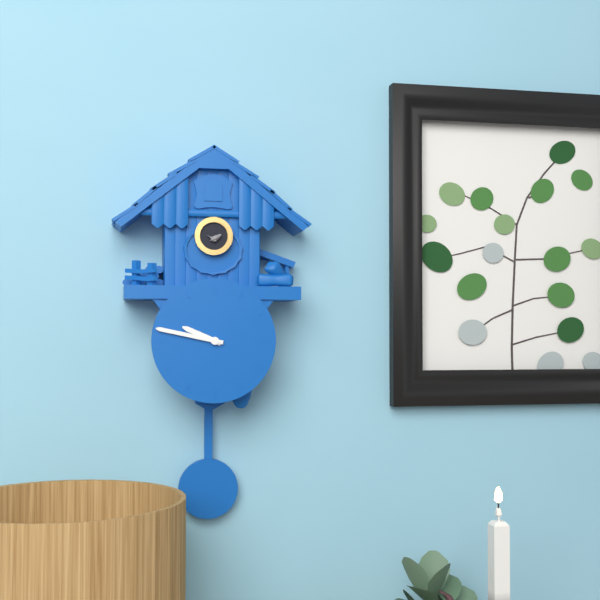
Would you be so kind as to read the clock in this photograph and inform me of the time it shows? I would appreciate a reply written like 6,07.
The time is 9,47
